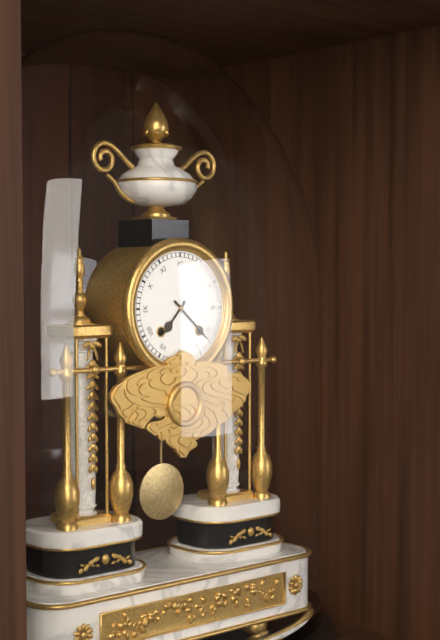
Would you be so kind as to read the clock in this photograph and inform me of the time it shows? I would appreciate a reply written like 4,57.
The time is 7,22
